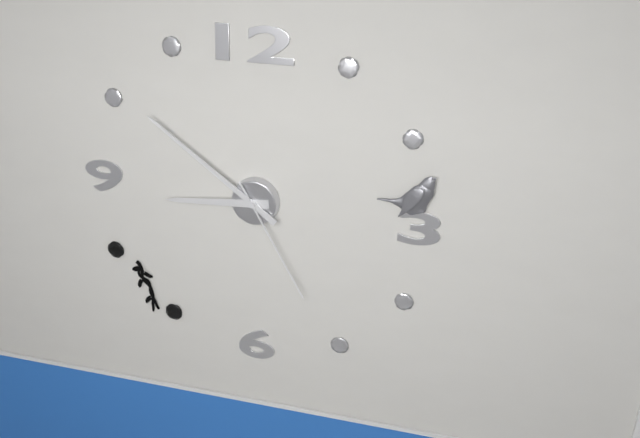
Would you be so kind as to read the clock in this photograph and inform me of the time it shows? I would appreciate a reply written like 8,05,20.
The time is 8,51,25
